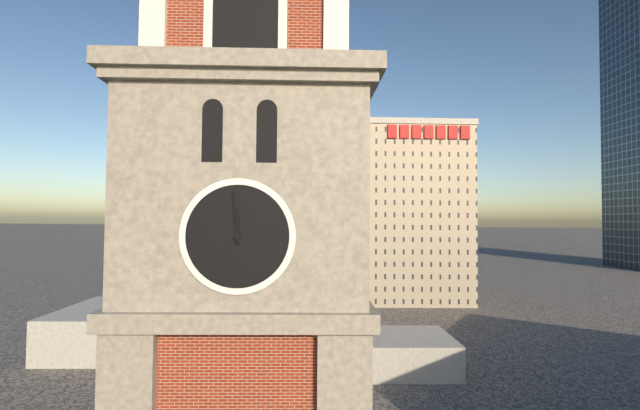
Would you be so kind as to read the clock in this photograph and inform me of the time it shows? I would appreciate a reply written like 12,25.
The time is 11,59
